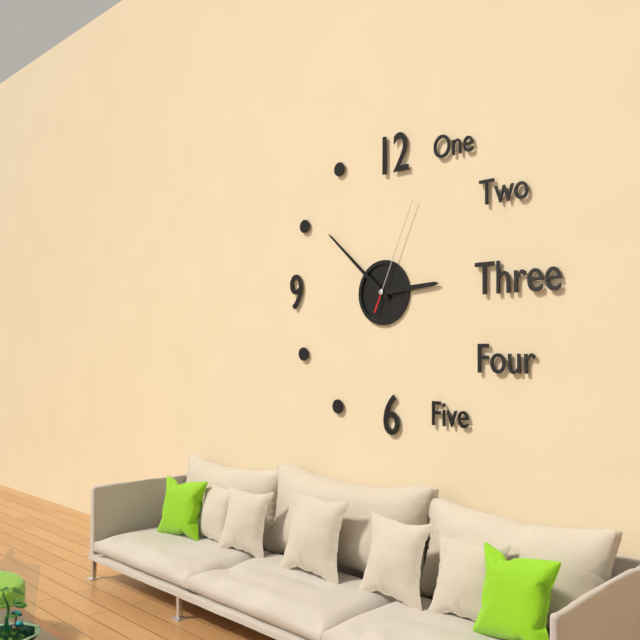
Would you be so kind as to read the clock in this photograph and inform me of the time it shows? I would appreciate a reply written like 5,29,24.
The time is 2,52,04
